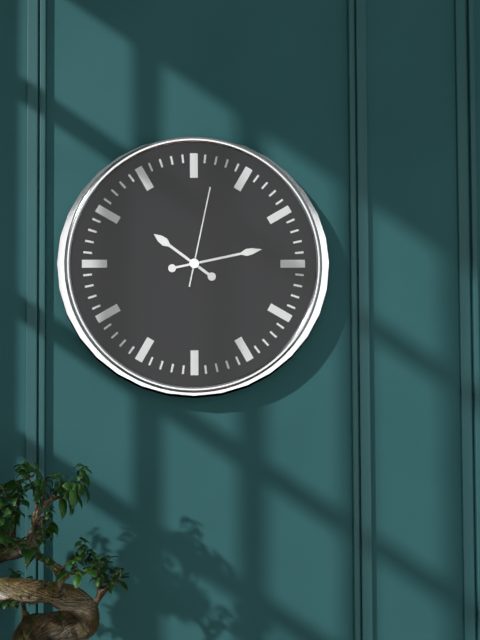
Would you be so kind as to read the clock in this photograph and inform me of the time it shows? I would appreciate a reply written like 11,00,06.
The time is 10,13,02
